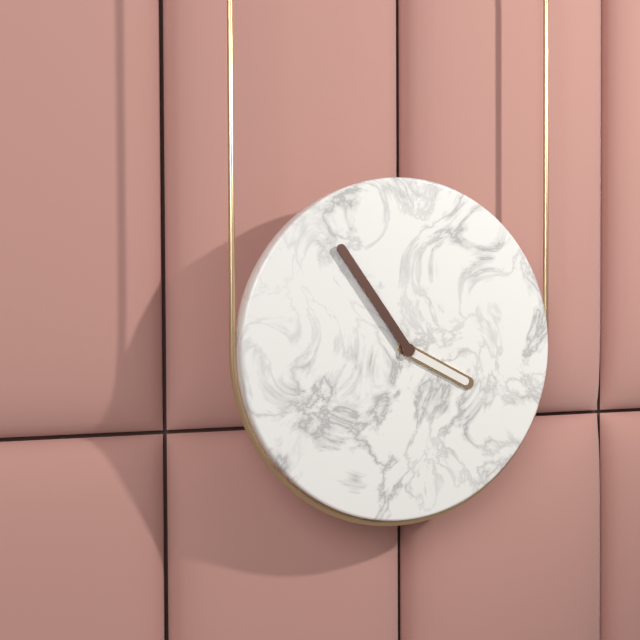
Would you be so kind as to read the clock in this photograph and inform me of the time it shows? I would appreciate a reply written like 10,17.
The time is 3,54
